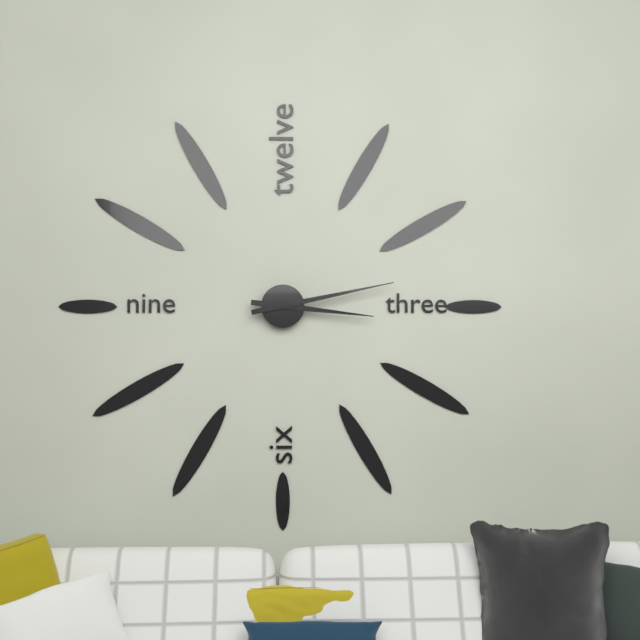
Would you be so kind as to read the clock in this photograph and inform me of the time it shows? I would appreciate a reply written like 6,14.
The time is 3,13
